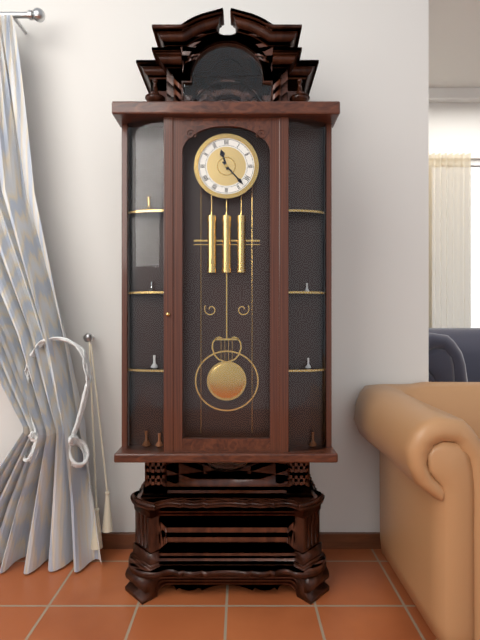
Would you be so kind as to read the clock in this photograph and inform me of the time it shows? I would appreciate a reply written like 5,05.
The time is 11,23
